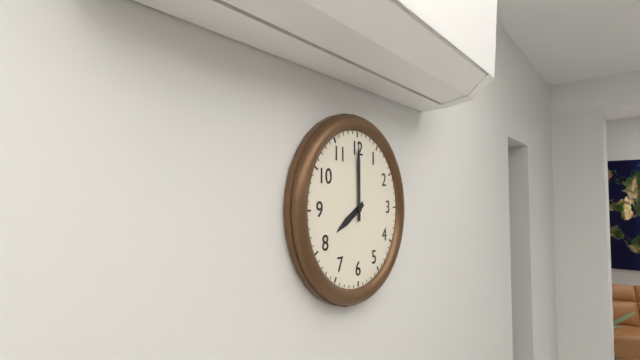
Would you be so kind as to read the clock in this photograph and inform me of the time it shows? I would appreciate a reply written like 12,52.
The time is 8,00
